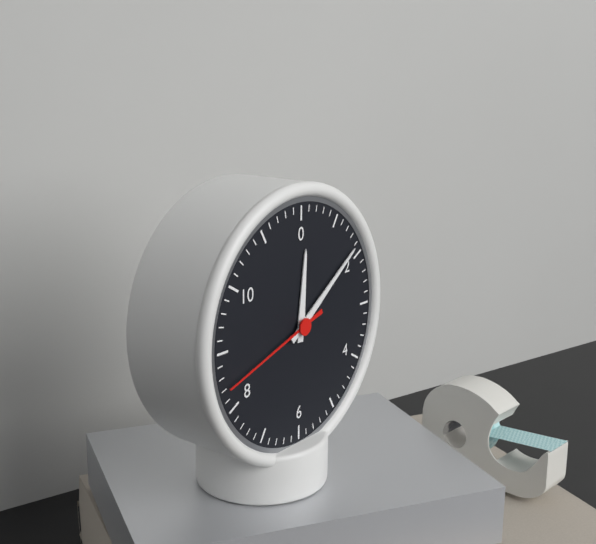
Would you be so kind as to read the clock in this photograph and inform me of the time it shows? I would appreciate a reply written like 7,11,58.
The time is 12,09,42
